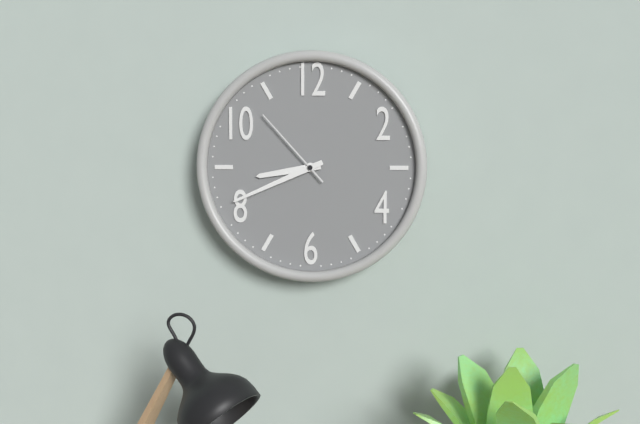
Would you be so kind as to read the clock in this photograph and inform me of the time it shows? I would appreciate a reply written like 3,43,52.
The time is 8,41,53
